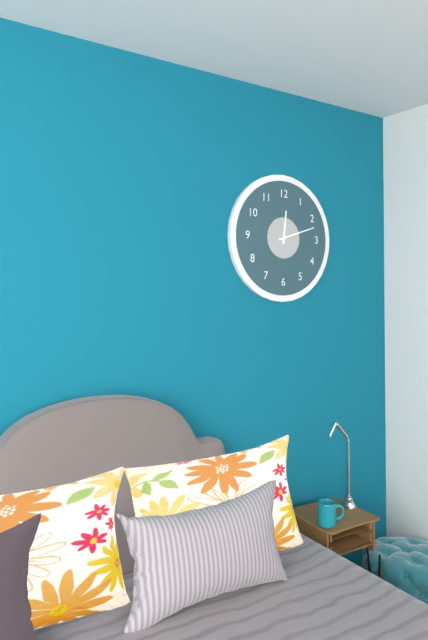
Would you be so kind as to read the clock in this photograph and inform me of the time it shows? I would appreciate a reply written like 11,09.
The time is 12,12
